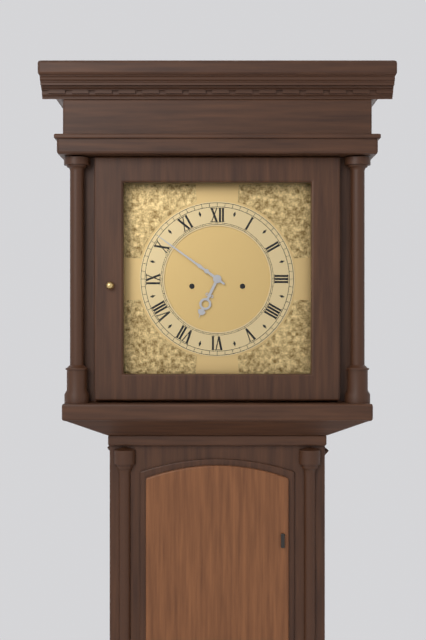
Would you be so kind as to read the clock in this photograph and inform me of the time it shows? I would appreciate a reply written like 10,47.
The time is 6,51
